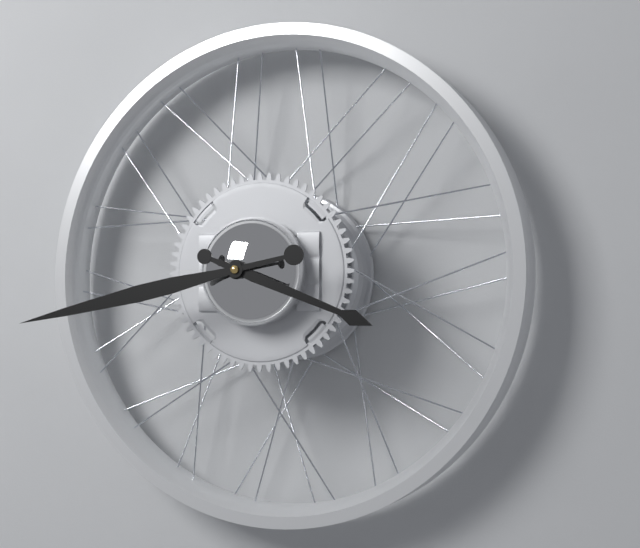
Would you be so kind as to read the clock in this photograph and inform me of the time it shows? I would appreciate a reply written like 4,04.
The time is 3,43
